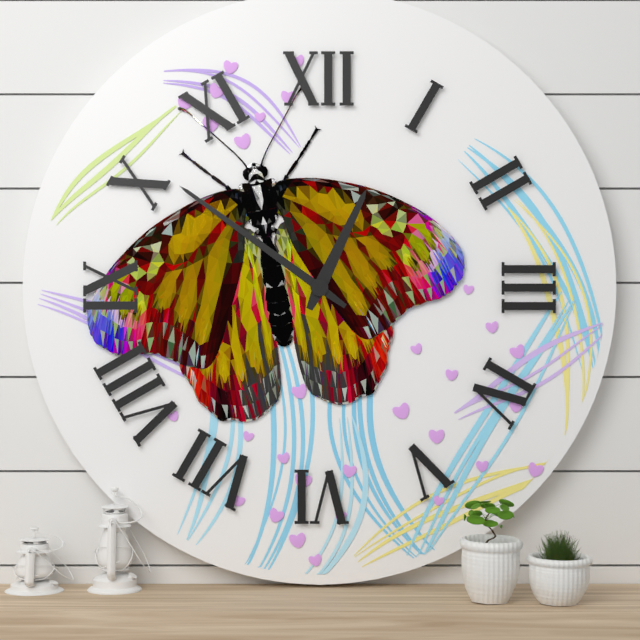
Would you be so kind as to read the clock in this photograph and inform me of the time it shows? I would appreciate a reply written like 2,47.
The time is 12,51
